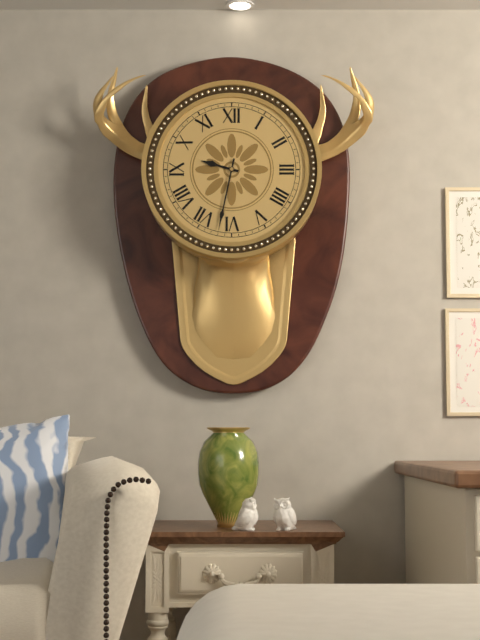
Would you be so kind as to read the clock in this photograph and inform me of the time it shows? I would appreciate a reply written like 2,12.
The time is 9,32
